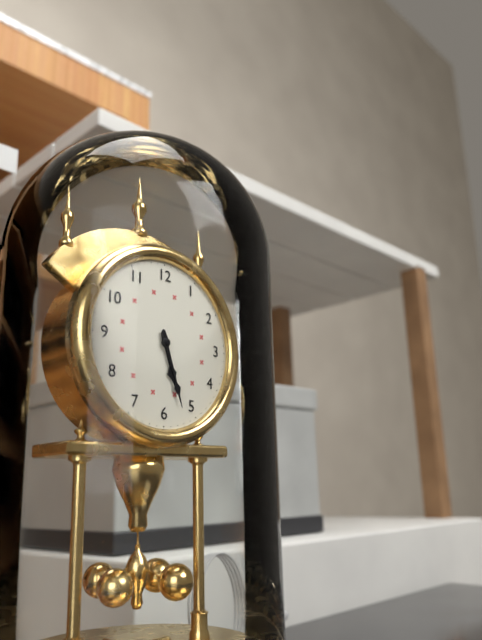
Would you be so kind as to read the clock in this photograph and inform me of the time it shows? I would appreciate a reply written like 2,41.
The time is 5,27
